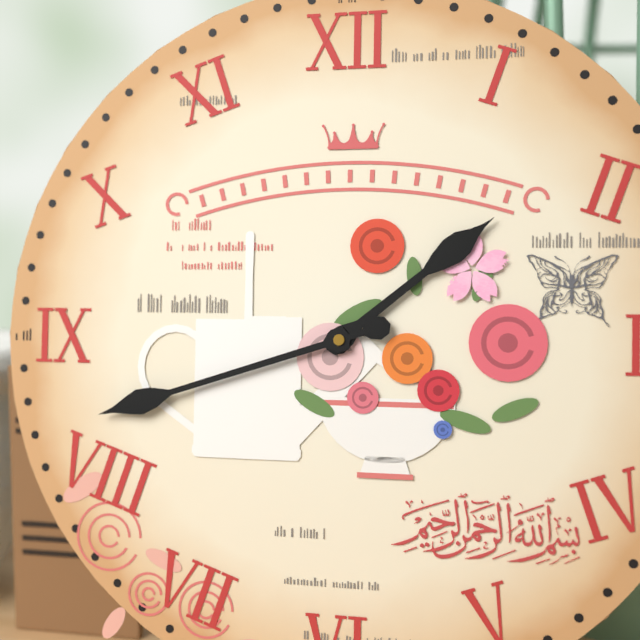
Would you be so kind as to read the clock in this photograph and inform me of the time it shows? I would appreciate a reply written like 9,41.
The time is 1,42
